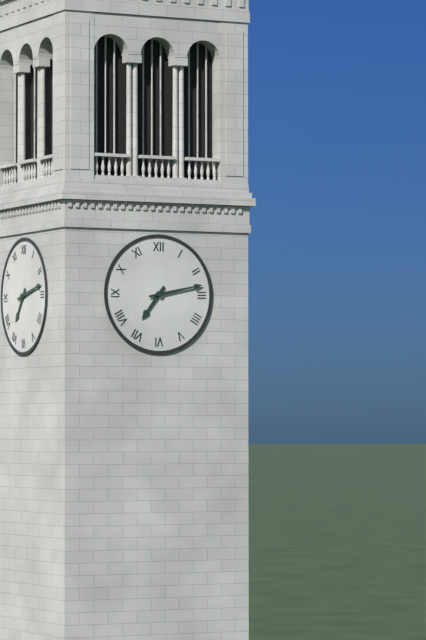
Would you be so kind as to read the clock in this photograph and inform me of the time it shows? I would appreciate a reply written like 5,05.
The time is 7,13
